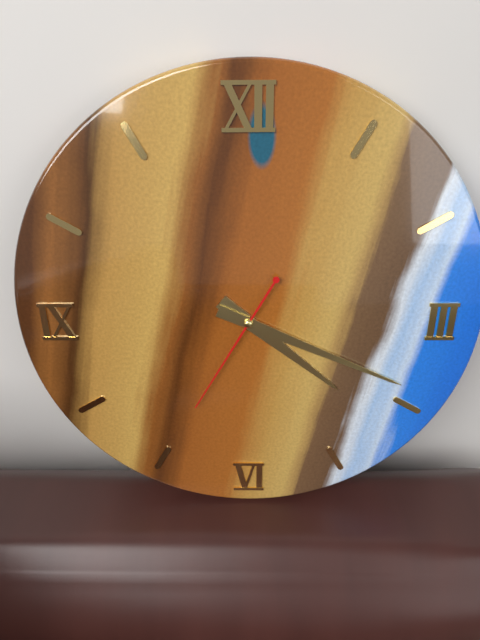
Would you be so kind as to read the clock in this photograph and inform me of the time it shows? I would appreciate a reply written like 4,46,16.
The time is 4,19,35
